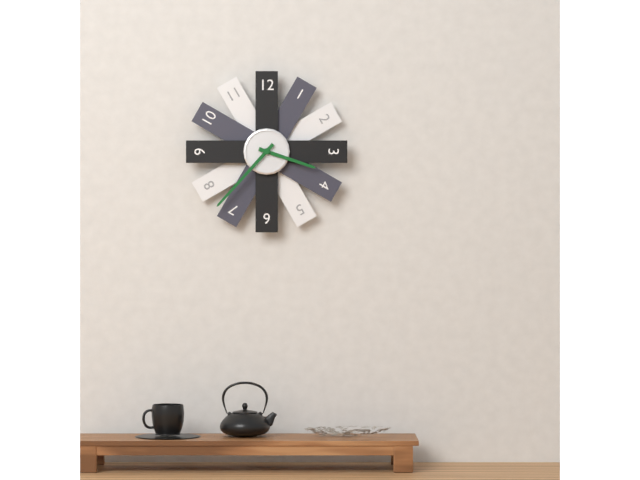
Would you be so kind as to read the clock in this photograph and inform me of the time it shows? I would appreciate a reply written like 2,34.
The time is 3,37
